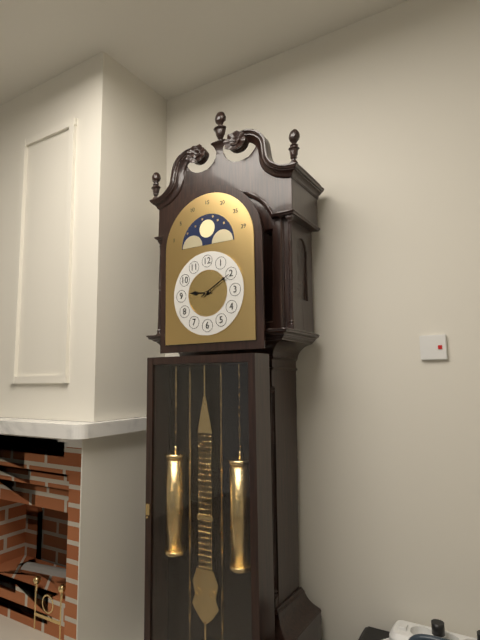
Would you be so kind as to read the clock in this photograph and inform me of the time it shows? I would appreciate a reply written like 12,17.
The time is 9,10
